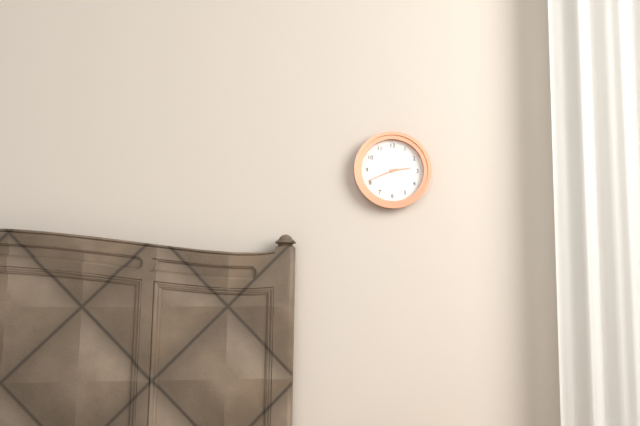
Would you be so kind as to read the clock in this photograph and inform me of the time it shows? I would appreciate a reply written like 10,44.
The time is 2,41
